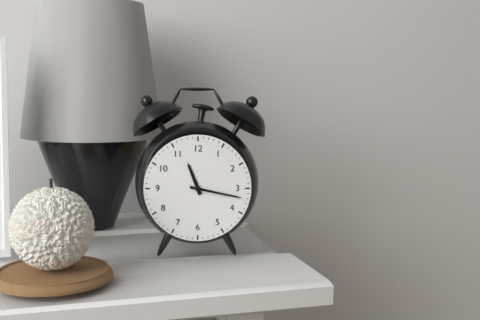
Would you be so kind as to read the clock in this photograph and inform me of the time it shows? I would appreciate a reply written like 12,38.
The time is 11,17
